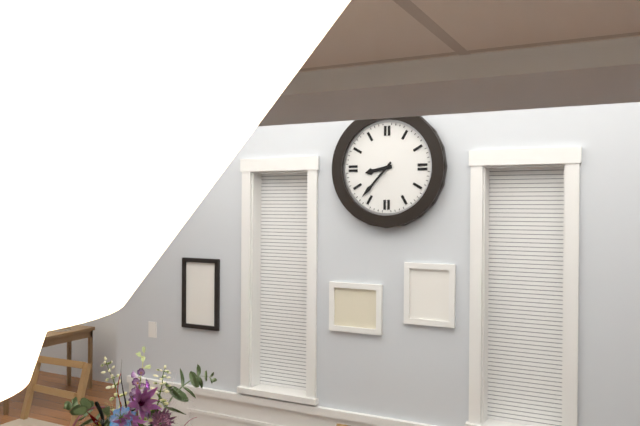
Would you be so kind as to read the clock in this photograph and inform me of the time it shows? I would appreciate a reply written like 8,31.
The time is 8,37
